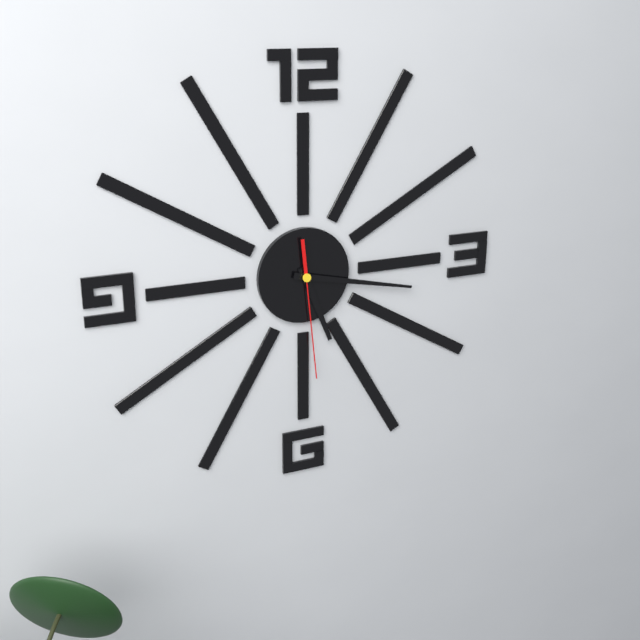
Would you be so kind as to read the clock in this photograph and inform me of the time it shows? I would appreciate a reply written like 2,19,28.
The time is 5,17,29
